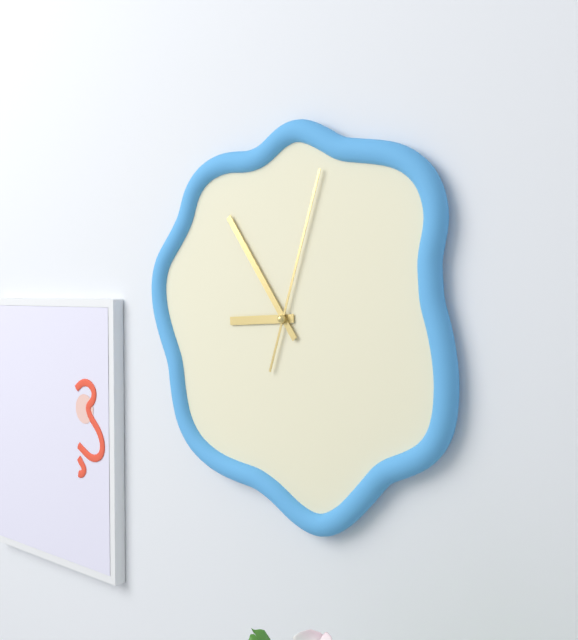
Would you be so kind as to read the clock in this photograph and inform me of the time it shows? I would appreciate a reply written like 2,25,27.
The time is 8,54,03
